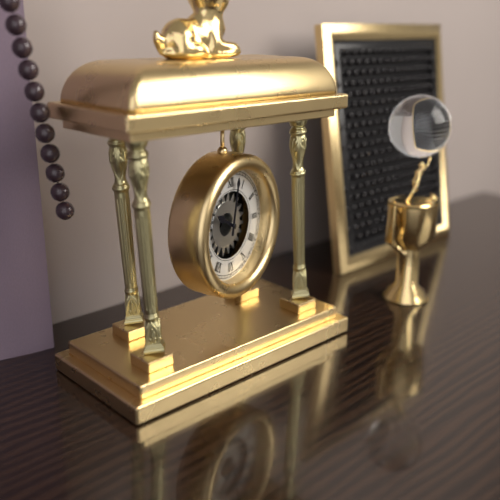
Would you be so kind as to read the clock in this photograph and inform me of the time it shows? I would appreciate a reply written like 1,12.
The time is 10,02
